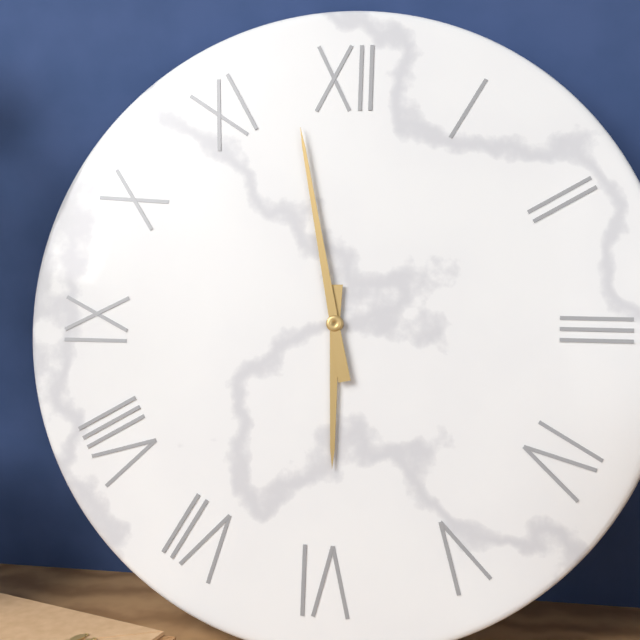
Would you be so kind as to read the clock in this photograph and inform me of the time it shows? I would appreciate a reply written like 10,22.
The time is 5,58
